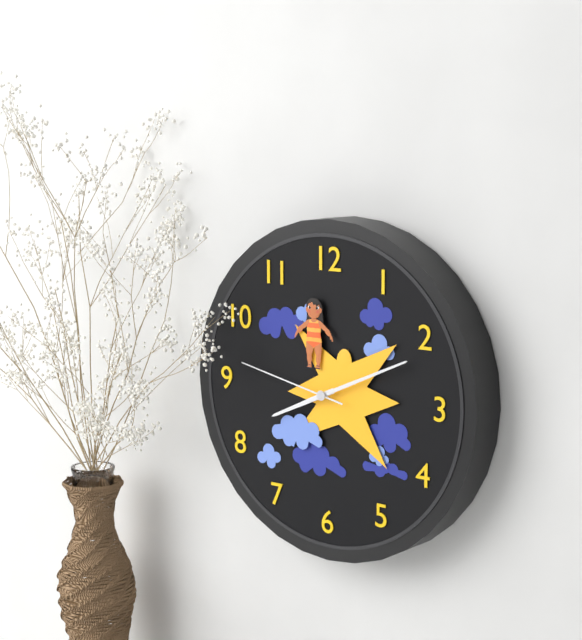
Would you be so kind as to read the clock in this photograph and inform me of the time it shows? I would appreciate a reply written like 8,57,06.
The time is 8,11,47
